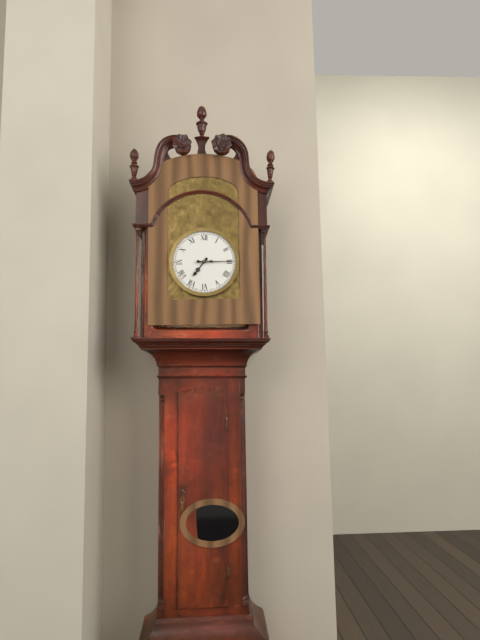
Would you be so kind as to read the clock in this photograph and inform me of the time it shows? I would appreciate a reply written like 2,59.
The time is 7,15
